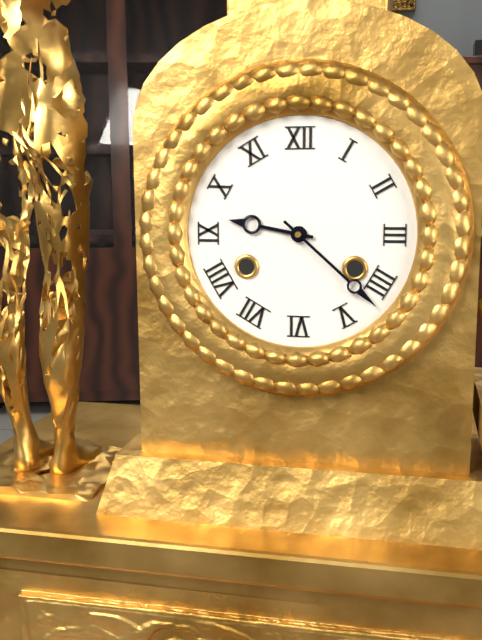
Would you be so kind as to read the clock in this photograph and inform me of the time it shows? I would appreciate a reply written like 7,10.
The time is 9,22
